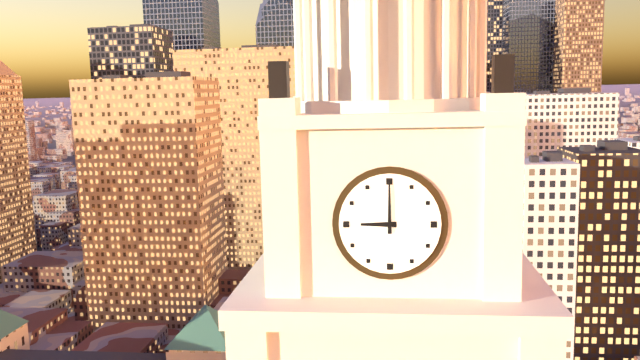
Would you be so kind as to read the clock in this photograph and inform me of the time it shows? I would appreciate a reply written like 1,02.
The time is 9,00
